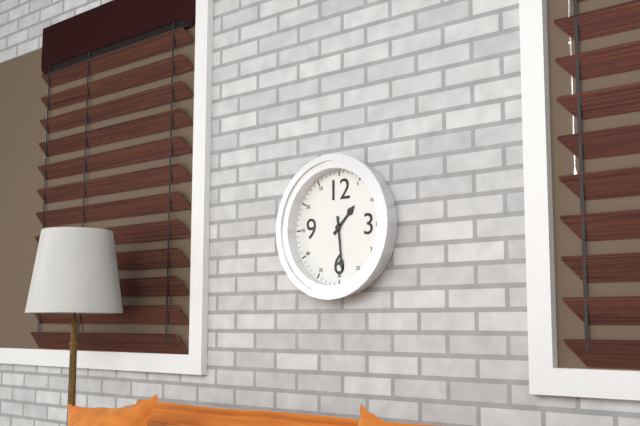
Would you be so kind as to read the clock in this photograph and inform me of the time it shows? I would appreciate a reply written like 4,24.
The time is 1,29
